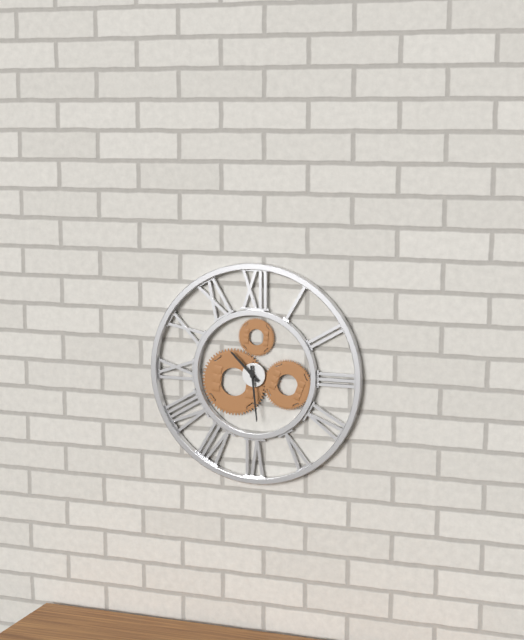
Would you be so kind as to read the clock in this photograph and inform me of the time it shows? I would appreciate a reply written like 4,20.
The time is 10,29
